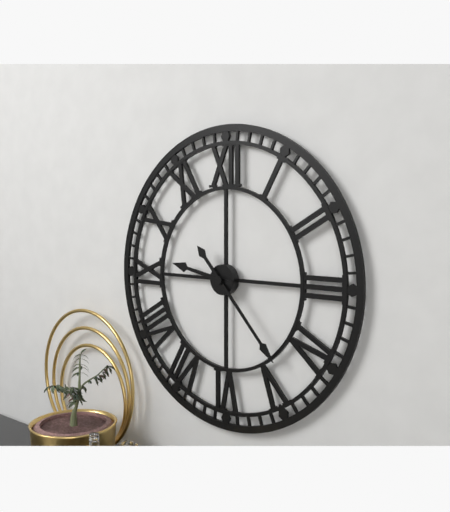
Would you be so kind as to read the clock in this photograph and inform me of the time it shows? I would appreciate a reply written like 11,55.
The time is 9,23
